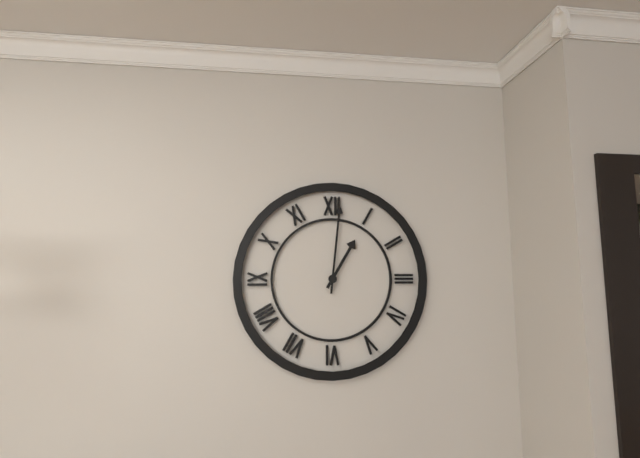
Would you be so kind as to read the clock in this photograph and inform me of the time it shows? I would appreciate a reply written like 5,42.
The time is 1,01
